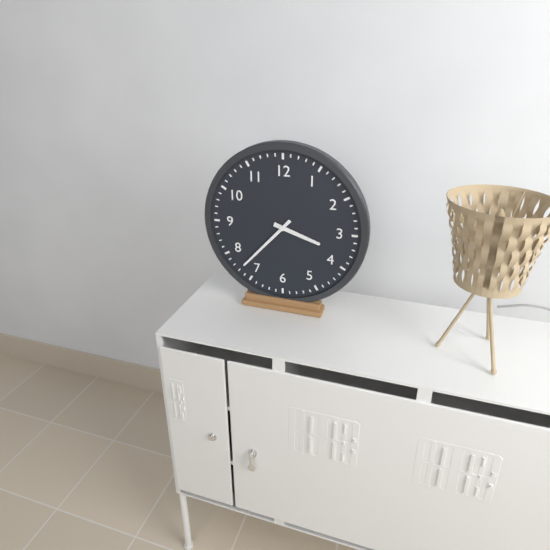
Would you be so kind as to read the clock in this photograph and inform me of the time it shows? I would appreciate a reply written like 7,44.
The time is 3,37
